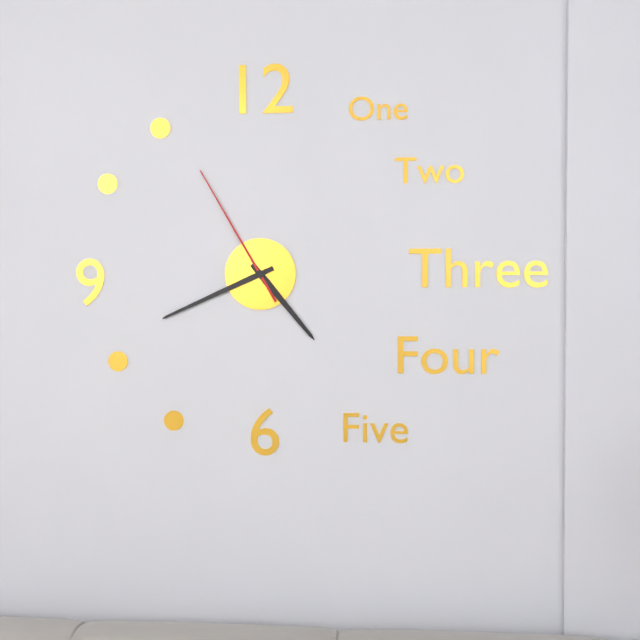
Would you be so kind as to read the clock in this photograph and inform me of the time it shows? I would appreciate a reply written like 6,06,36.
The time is 4,41,55
